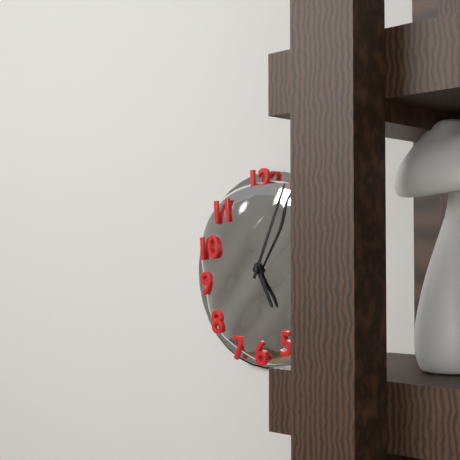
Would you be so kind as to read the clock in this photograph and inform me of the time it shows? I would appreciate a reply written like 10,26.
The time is 5,04
